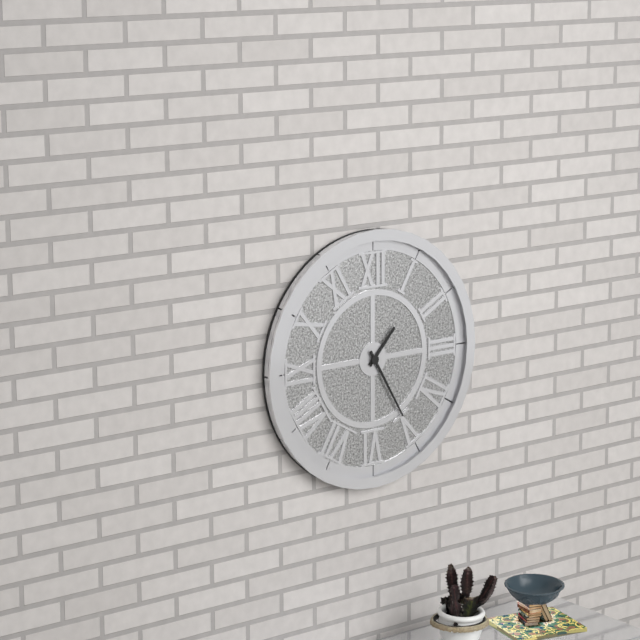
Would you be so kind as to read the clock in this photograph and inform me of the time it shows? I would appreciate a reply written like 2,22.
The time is 1,25
